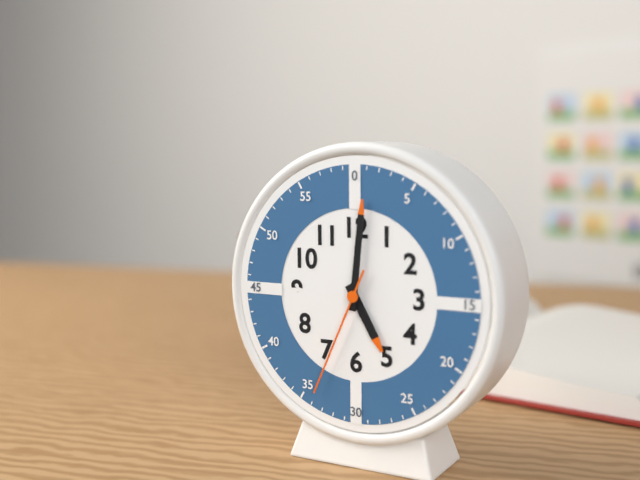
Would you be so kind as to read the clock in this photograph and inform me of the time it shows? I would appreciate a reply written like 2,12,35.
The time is 5,01,34
